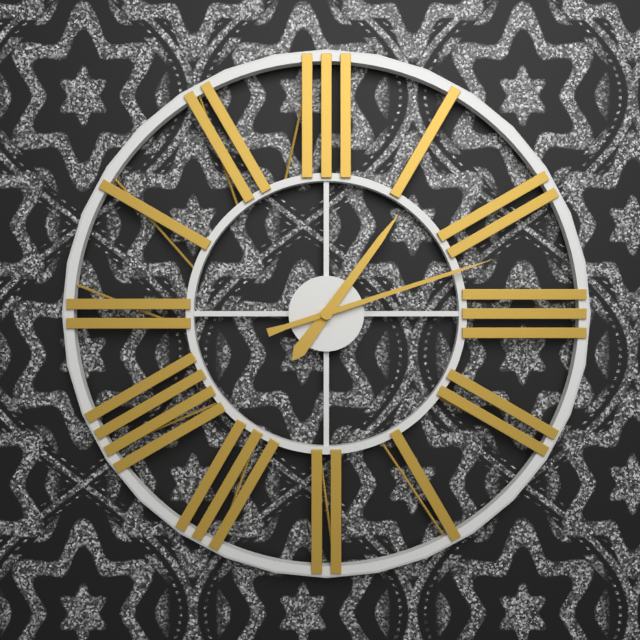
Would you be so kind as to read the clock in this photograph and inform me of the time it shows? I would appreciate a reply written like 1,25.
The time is 1,12
